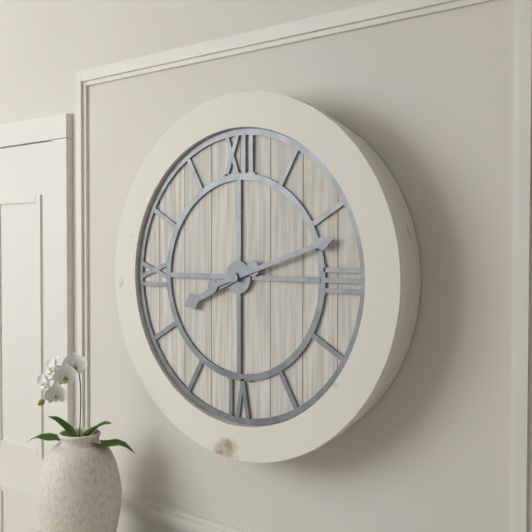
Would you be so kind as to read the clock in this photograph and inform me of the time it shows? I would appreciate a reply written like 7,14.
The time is 8,12
